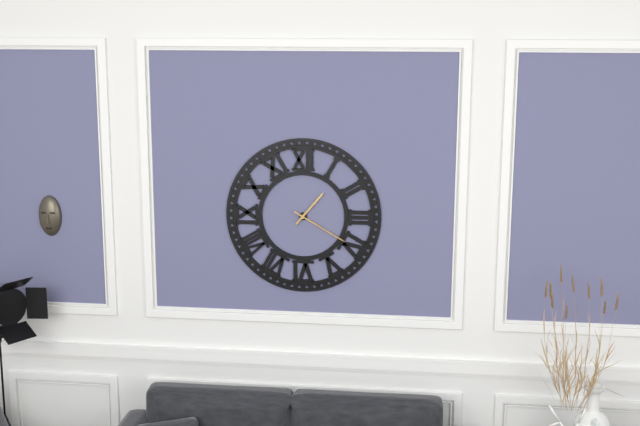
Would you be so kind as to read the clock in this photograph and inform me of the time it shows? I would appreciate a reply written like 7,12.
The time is 1,20
